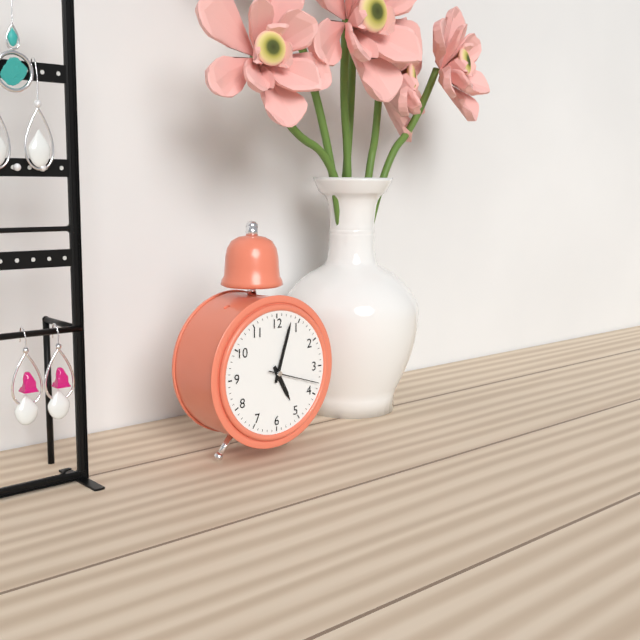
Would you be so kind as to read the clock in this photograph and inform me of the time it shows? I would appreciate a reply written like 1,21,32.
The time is 5,03,18
